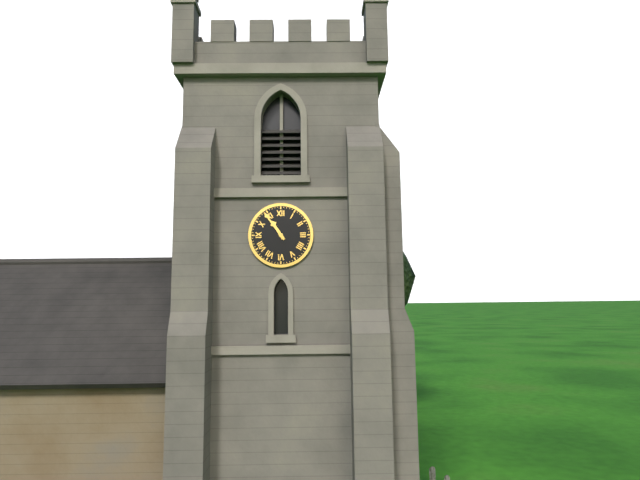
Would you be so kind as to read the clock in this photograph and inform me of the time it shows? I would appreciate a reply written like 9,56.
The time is 10,54
